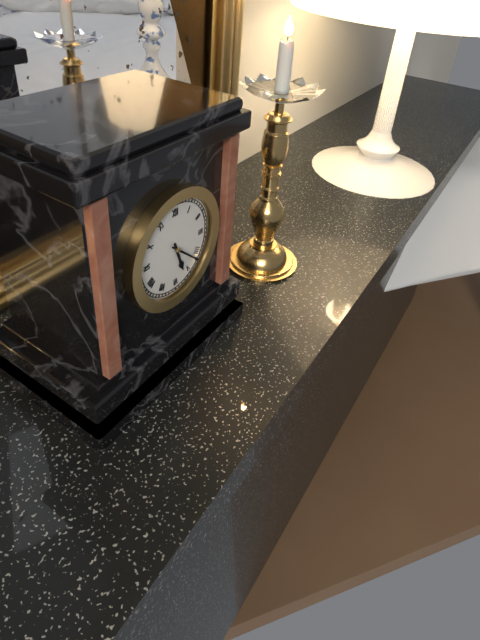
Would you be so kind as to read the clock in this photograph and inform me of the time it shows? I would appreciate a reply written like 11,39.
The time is 5,22
